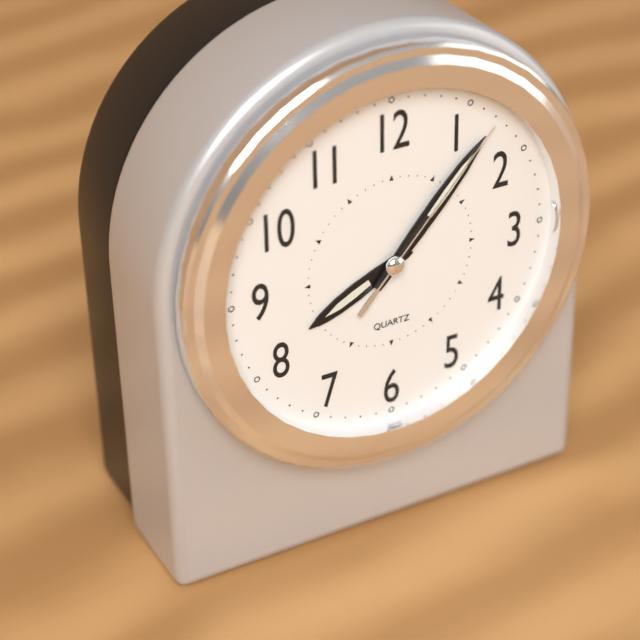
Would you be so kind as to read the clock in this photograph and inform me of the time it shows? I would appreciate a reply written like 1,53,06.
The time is 8,07,07
